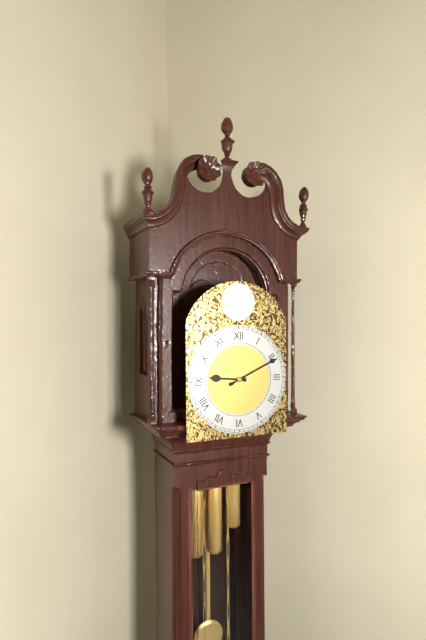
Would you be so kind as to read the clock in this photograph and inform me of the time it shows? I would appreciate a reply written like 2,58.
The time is 9,11
